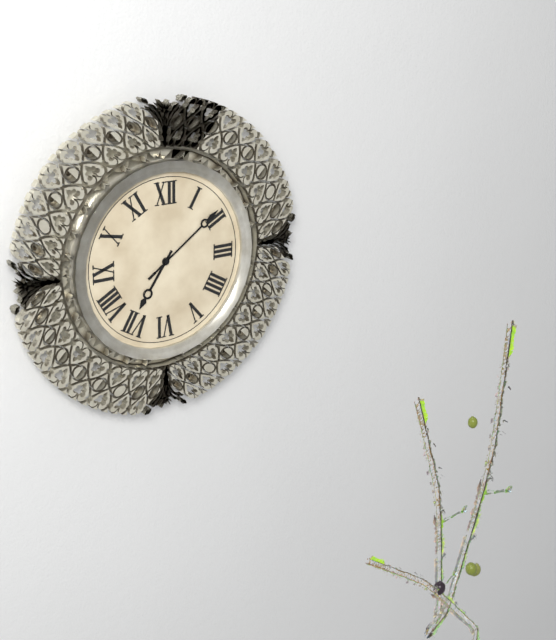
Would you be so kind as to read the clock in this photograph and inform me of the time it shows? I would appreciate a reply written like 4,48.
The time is 7,09
